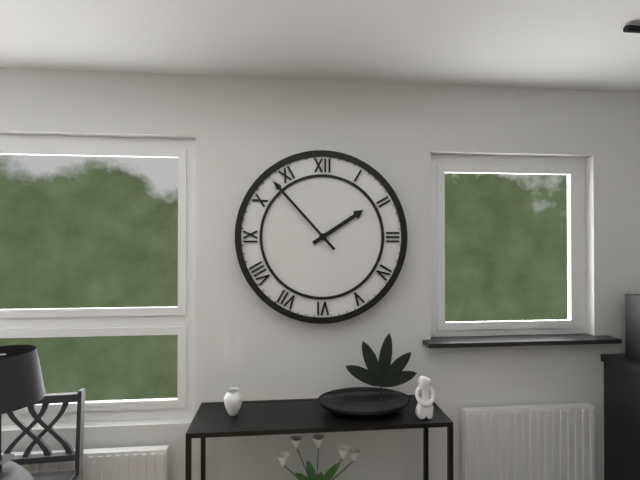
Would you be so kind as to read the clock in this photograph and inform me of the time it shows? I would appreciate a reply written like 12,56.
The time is 1,53
